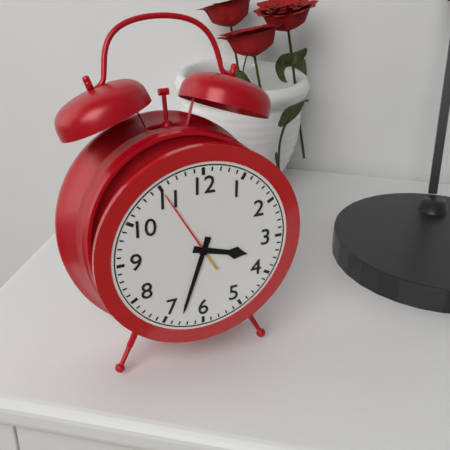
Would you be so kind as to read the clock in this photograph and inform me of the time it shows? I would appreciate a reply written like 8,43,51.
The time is 3,33,55
